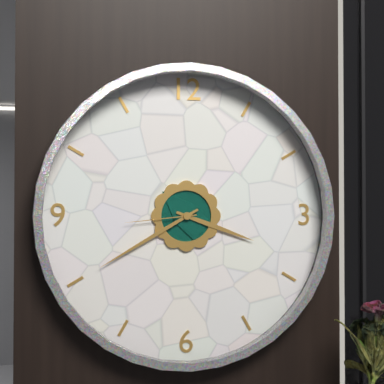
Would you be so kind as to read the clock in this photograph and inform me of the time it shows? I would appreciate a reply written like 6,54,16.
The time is 3,40,44
